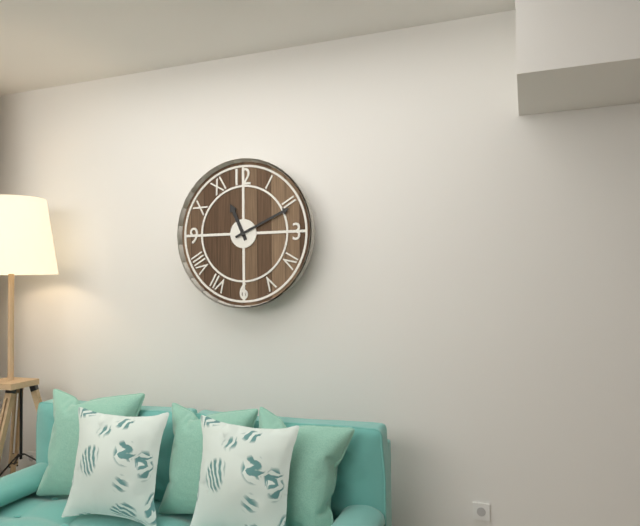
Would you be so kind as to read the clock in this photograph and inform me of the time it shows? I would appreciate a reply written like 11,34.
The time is 11,11
